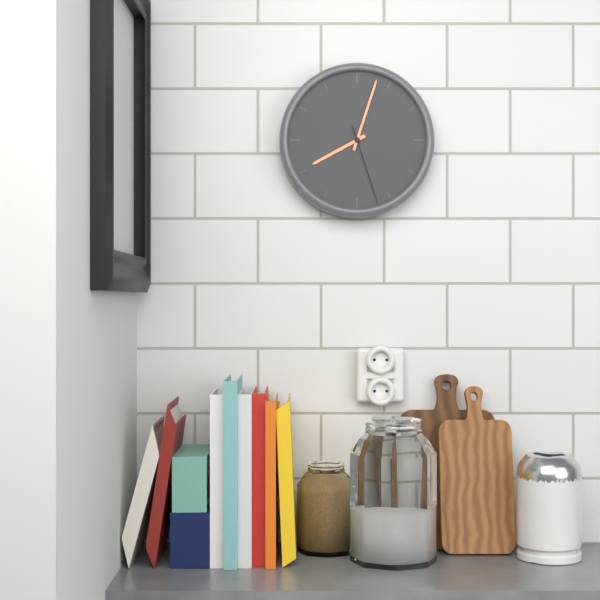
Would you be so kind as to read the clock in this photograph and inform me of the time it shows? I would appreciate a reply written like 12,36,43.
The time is 8,03,27
